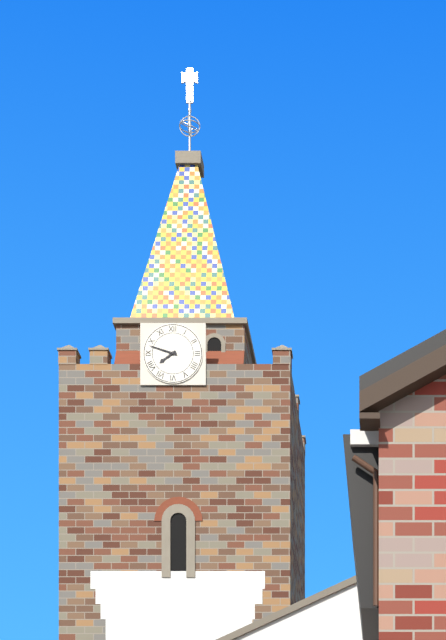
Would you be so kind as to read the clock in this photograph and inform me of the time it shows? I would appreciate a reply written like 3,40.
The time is 7,48
